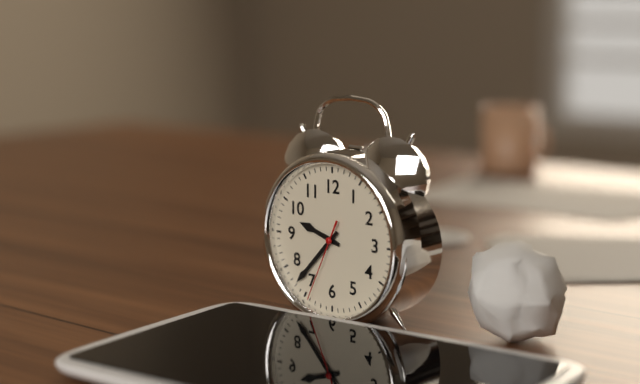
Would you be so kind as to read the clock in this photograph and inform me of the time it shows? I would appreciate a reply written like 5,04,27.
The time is 9,37,34
